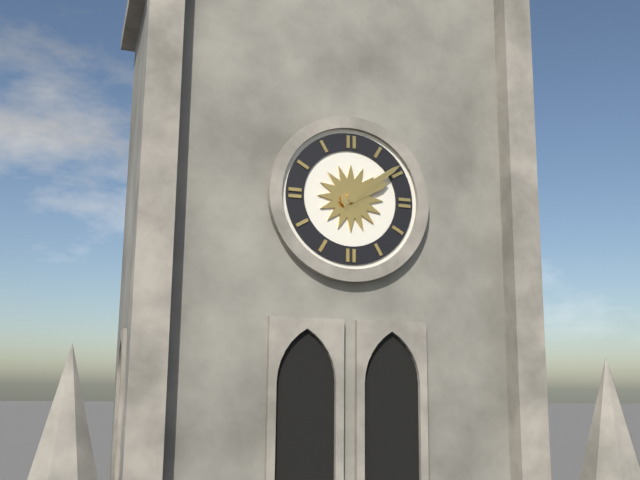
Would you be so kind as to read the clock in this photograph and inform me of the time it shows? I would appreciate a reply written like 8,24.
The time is 2,09
